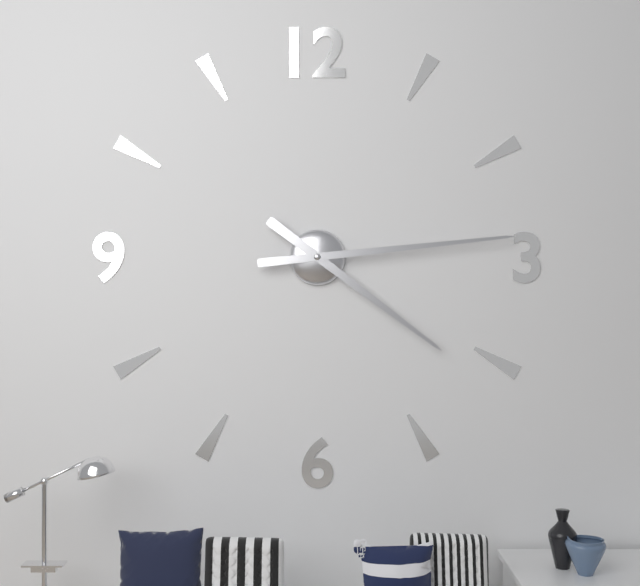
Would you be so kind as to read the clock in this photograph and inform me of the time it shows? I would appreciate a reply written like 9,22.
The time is 4,14
